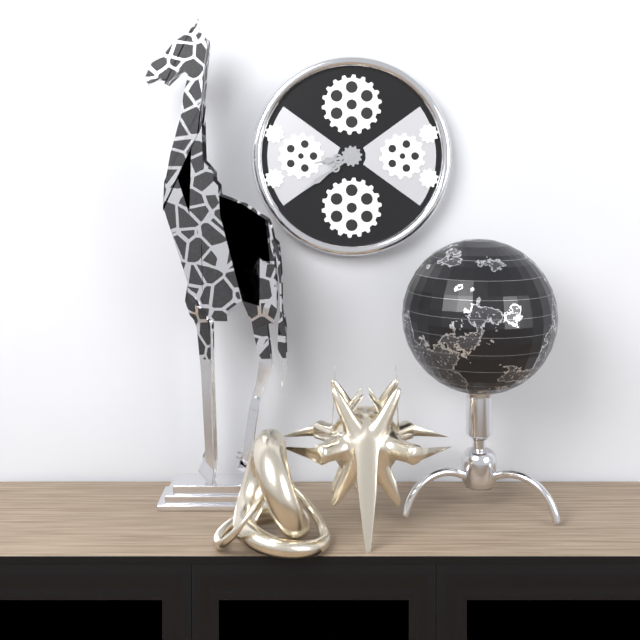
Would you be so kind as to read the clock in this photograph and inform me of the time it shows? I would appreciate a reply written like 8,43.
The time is 8,39
